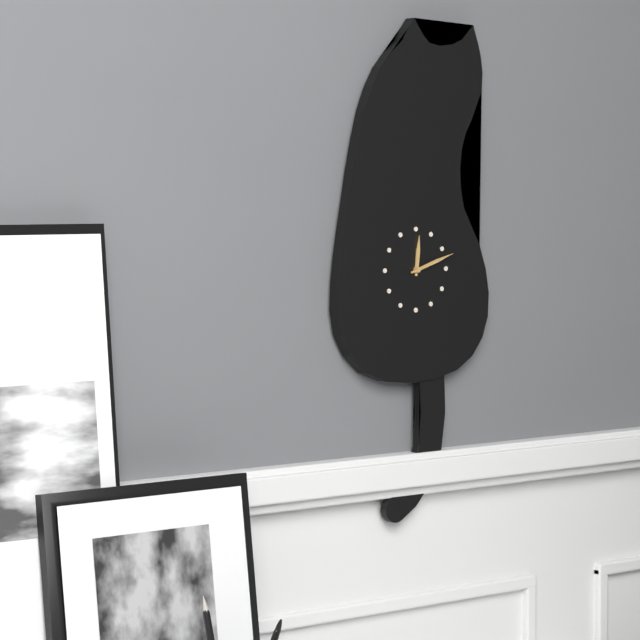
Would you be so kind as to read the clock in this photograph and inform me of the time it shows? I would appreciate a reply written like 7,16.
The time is 12,12
